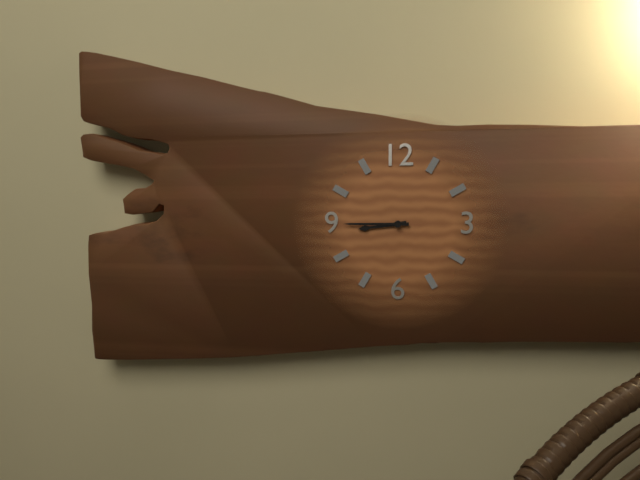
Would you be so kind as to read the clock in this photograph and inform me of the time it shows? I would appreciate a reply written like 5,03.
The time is 8,45
